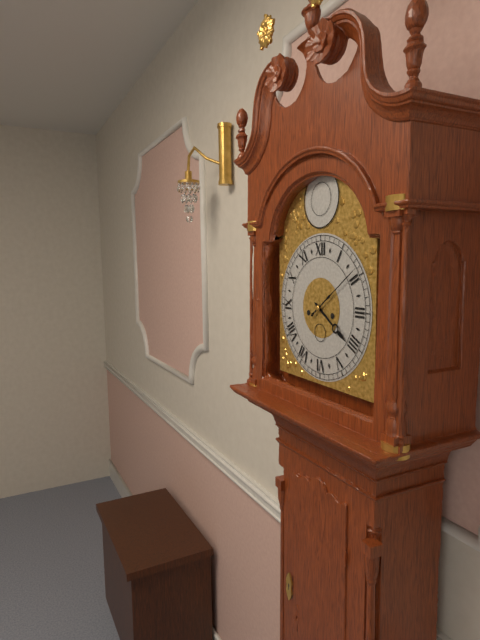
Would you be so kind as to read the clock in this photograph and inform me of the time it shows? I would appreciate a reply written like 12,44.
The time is 4,09
